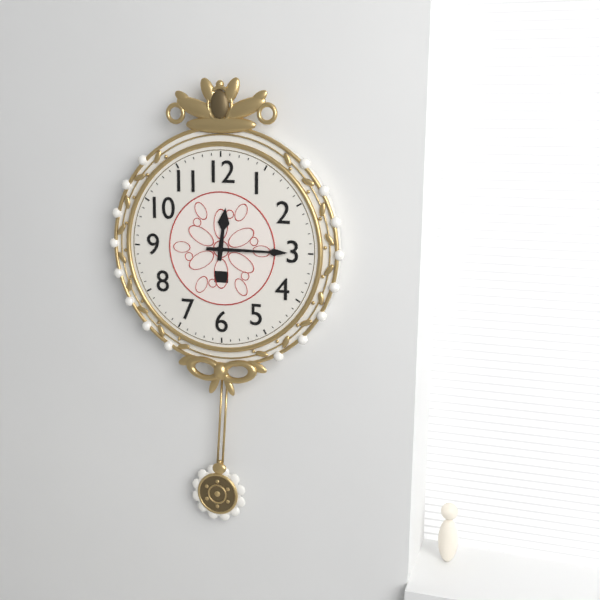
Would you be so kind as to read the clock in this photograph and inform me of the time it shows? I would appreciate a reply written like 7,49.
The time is 12,15
